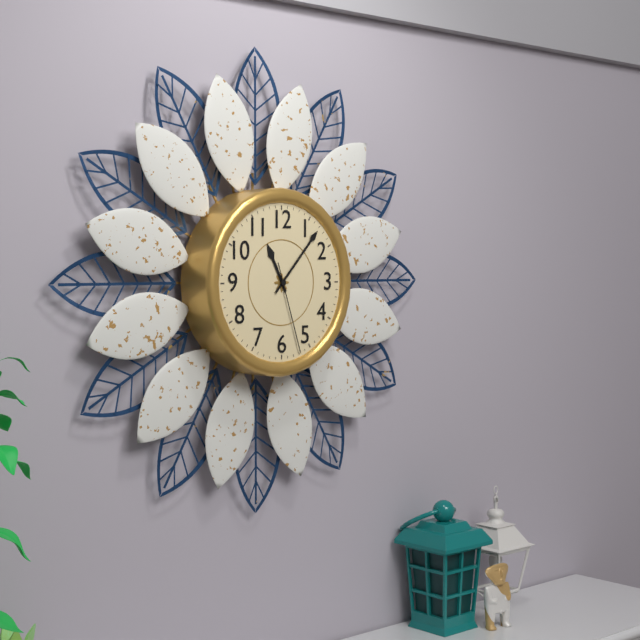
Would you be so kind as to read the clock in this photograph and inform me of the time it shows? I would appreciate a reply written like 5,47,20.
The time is 11,07,27
